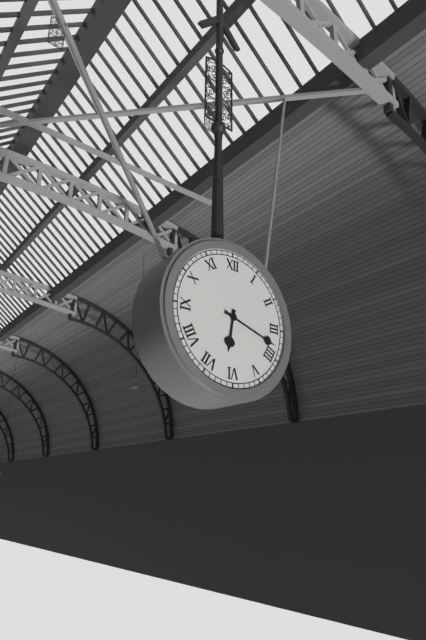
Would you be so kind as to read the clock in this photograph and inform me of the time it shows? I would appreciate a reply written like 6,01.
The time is 6,18
